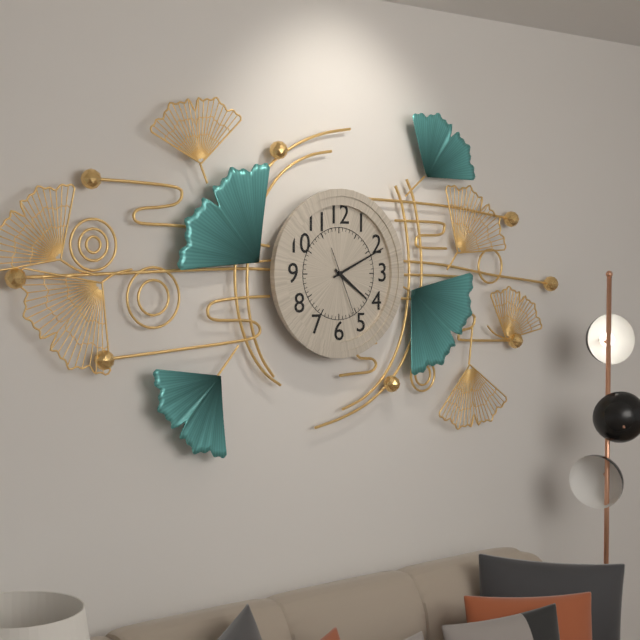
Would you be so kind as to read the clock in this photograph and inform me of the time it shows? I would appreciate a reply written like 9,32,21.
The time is 4,11,26
